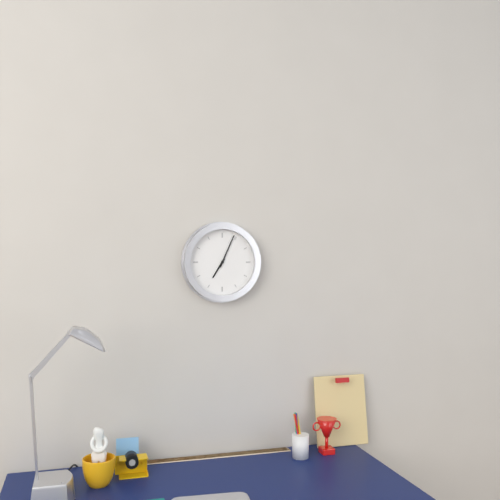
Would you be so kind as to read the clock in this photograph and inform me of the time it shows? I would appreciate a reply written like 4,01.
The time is 7,04
